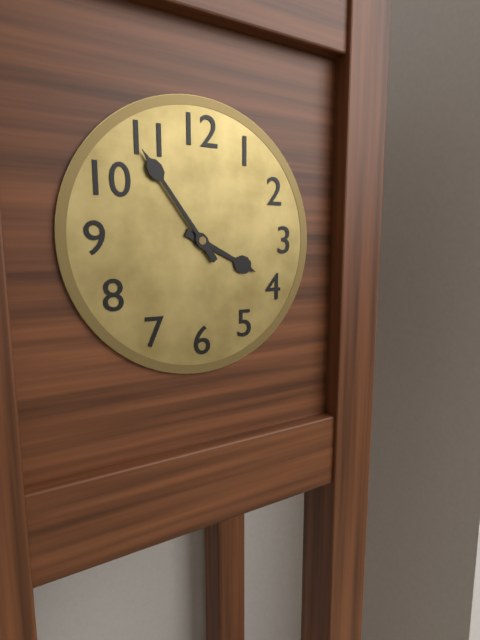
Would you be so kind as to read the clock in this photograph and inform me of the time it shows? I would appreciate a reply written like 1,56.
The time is 3,54
